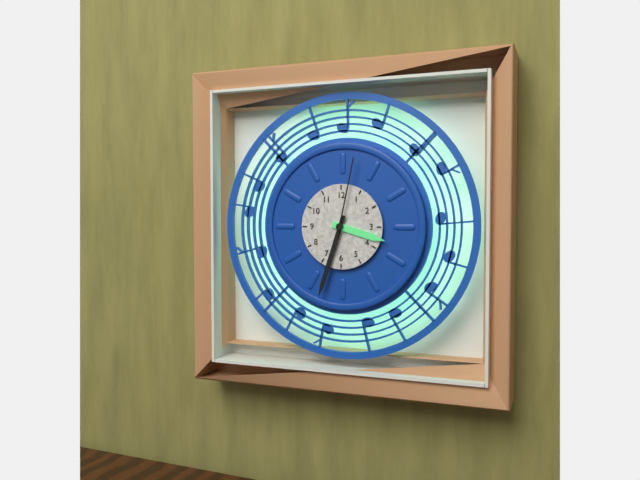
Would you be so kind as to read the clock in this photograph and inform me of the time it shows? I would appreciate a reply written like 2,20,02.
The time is 3,33,02
